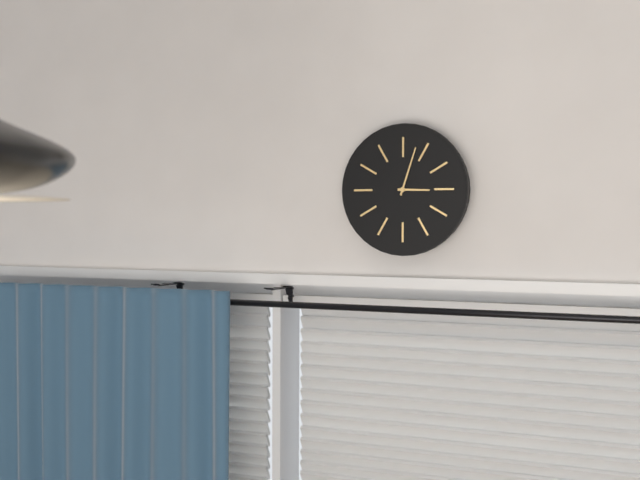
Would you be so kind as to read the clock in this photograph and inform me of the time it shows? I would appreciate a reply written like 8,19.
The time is 3,03
